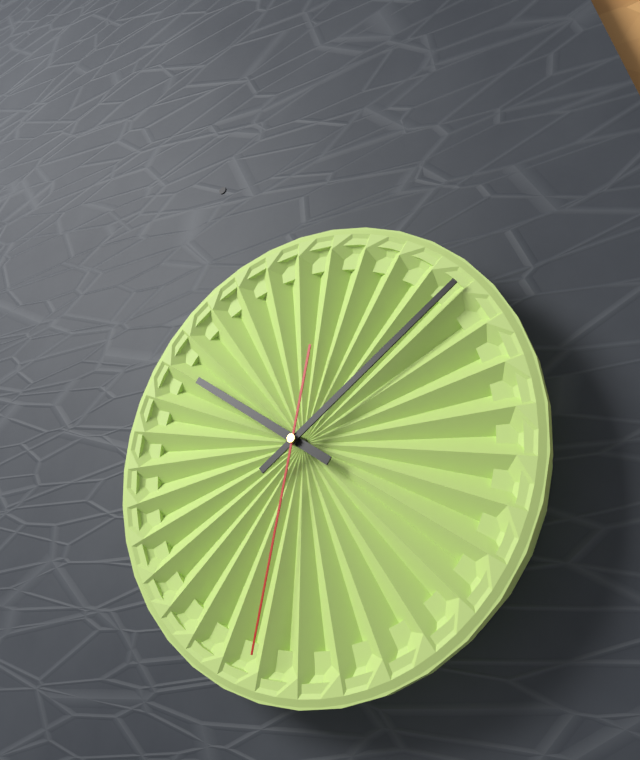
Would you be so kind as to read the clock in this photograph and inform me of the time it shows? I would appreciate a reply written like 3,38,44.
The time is 10,09,32
